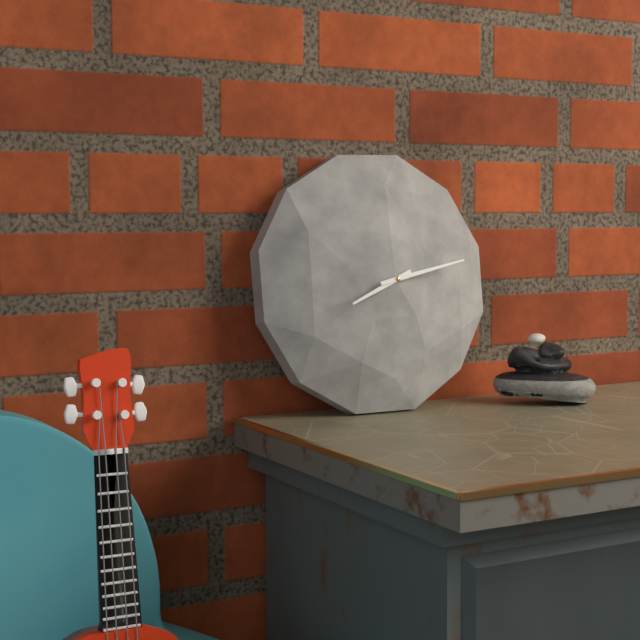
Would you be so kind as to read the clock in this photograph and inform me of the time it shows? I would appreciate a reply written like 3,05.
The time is 8,13
